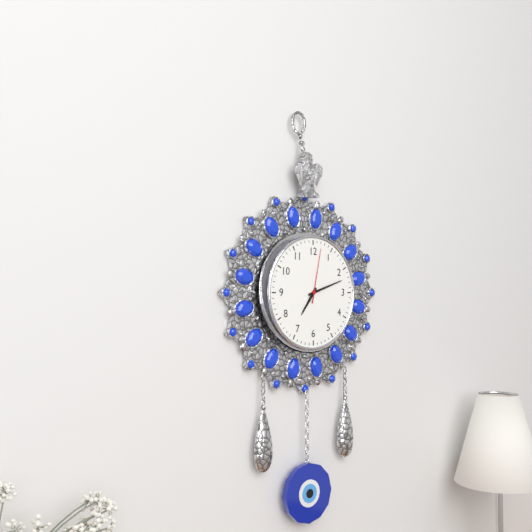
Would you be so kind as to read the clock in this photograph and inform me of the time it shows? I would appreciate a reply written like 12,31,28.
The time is 7,12,02
